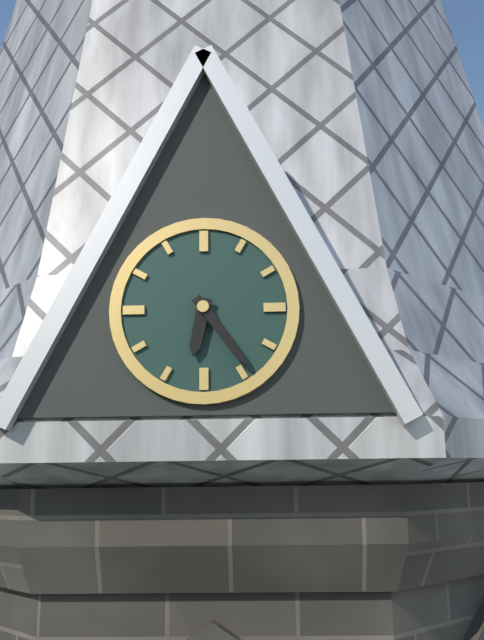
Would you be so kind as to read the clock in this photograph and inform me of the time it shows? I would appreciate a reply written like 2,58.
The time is 6,24
